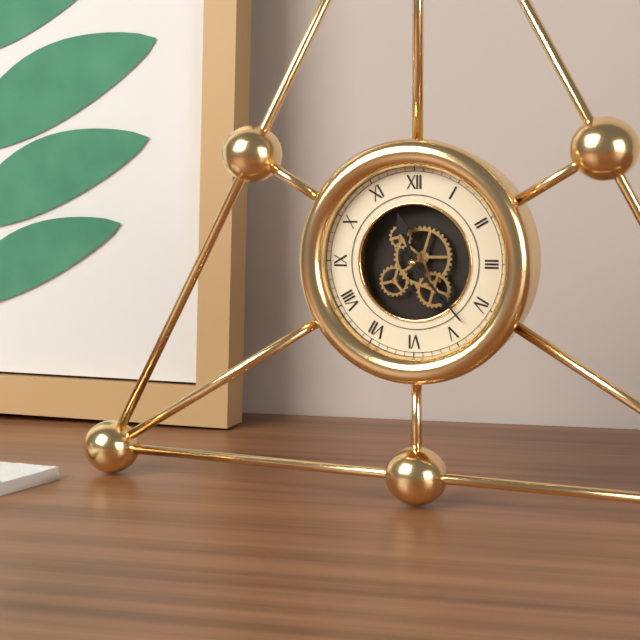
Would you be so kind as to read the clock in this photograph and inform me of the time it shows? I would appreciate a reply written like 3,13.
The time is 11,23
